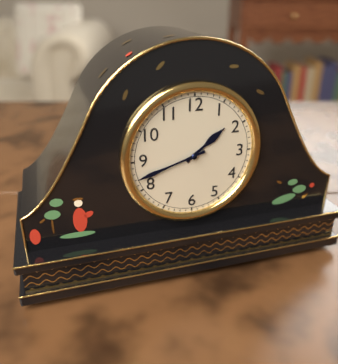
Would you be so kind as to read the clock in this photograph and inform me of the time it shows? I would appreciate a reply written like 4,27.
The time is 1,42
